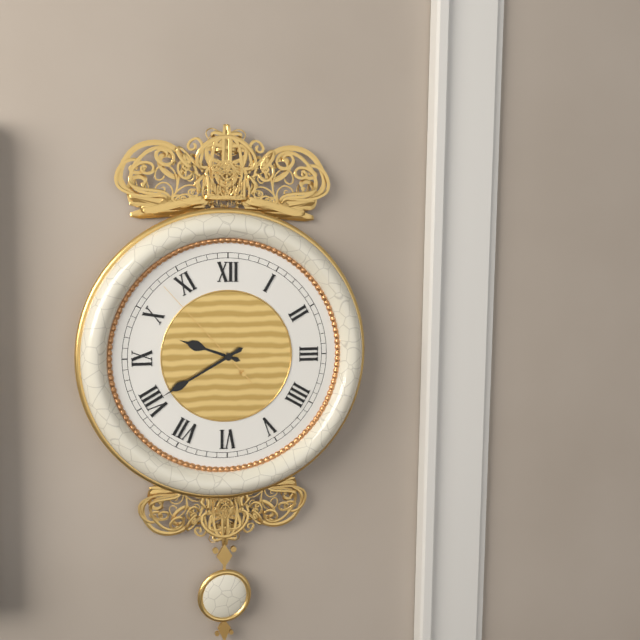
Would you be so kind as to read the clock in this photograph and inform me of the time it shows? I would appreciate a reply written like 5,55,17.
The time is 9,40,53
